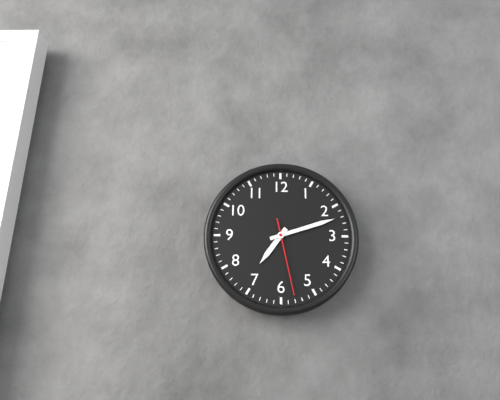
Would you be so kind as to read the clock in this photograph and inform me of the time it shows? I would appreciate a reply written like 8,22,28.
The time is 7,12,28
